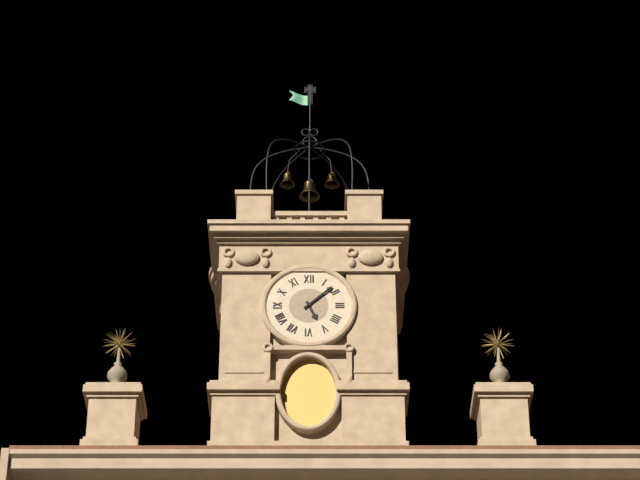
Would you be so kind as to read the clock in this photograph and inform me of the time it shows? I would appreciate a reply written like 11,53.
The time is 5,08
